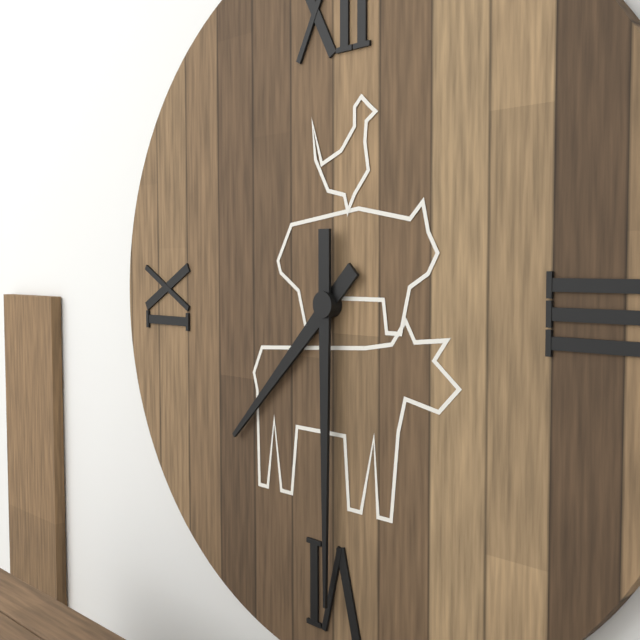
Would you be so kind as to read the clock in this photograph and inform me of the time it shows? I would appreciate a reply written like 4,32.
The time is 7,30
